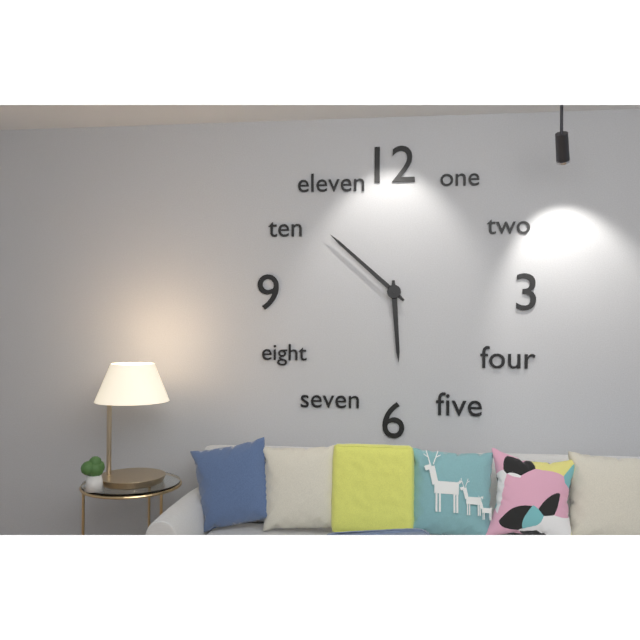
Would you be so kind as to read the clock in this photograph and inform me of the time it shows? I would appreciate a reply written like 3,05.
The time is 5,52
